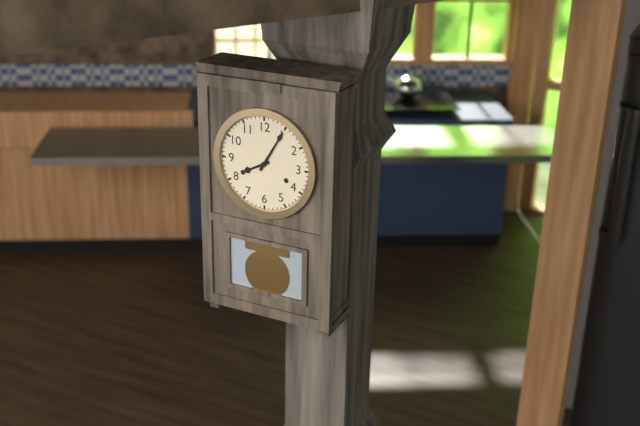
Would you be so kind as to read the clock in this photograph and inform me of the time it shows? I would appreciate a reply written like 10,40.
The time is 8,05
